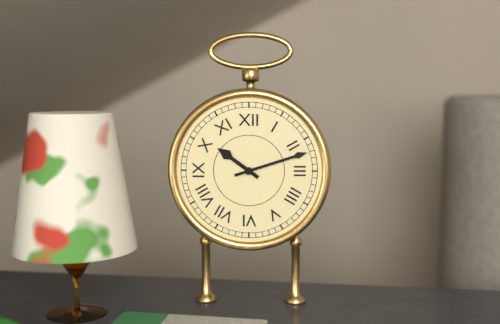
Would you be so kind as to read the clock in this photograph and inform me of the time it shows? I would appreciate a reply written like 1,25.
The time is 10,12
